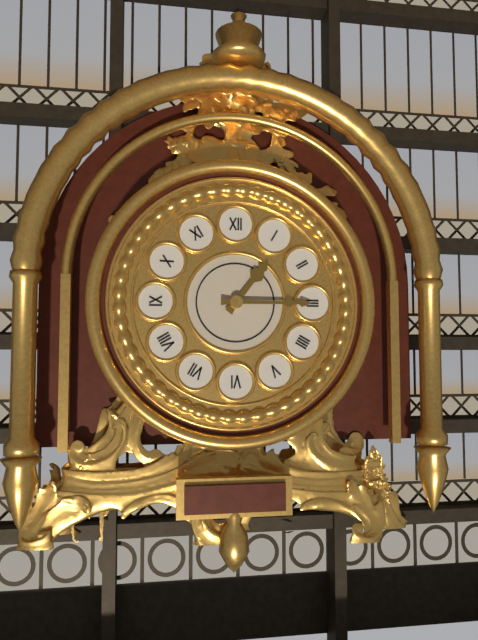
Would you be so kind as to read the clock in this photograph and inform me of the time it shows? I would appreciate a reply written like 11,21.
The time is 1,15
